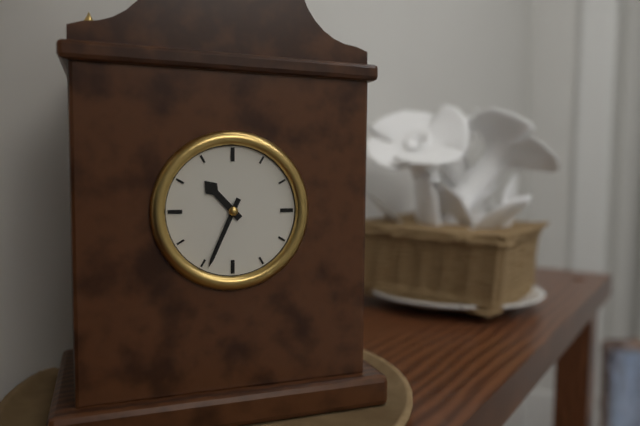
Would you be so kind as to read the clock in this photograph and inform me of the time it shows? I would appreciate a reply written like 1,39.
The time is 10,34
